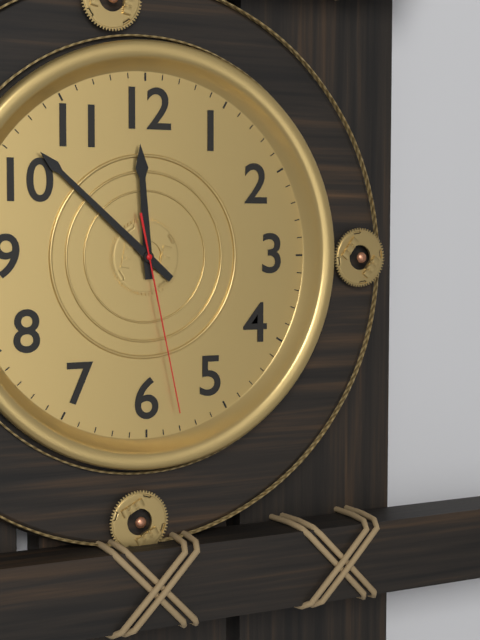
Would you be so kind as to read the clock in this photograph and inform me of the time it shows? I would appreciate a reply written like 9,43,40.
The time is 11,52,28
